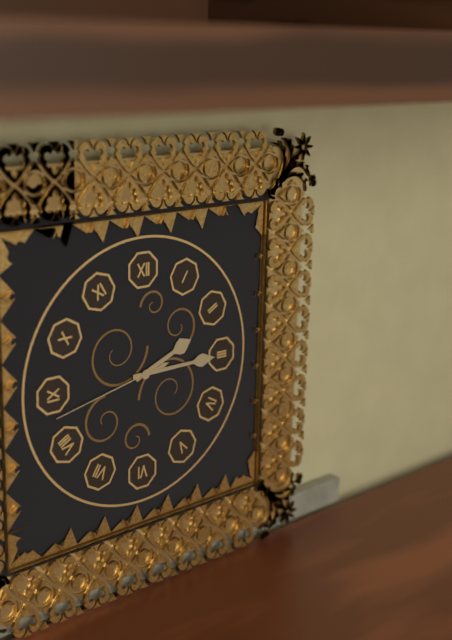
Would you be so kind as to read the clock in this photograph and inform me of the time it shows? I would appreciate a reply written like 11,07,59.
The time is 2,15,43
